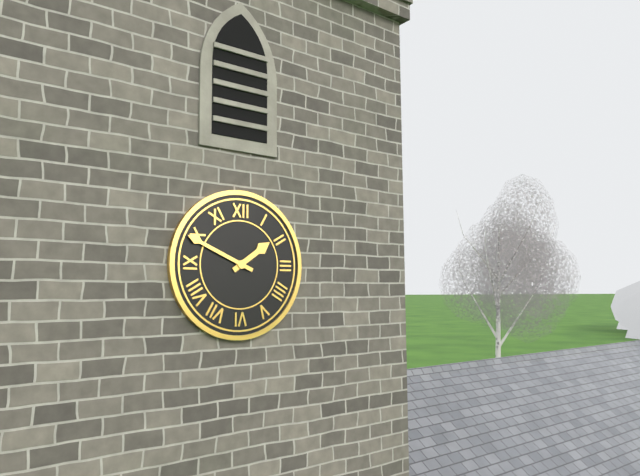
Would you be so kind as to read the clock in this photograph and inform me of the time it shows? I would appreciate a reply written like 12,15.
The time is 1,49
